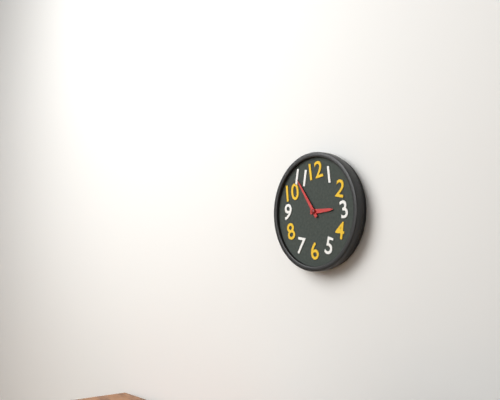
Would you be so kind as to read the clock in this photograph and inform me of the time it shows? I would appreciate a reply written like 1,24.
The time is 2,54
